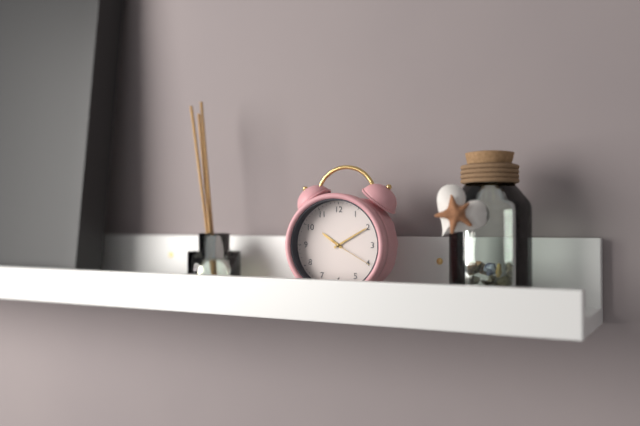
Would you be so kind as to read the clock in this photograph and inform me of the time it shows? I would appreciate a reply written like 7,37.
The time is 10,10
